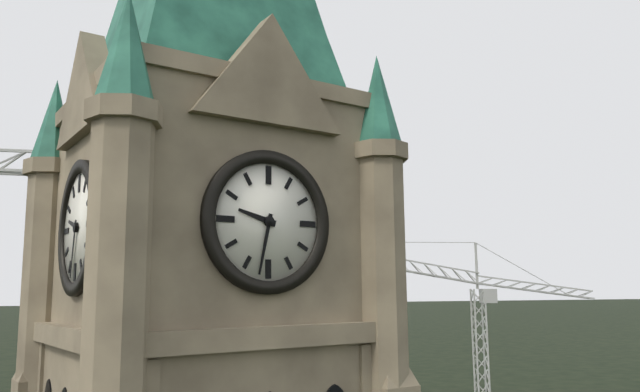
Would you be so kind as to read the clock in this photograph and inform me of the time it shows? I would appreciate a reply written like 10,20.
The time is 9,32
